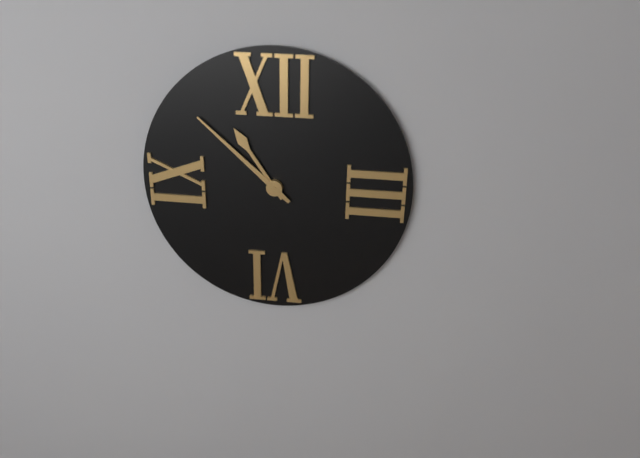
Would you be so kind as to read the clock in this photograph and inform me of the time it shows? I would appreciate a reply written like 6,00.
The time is 10,52
